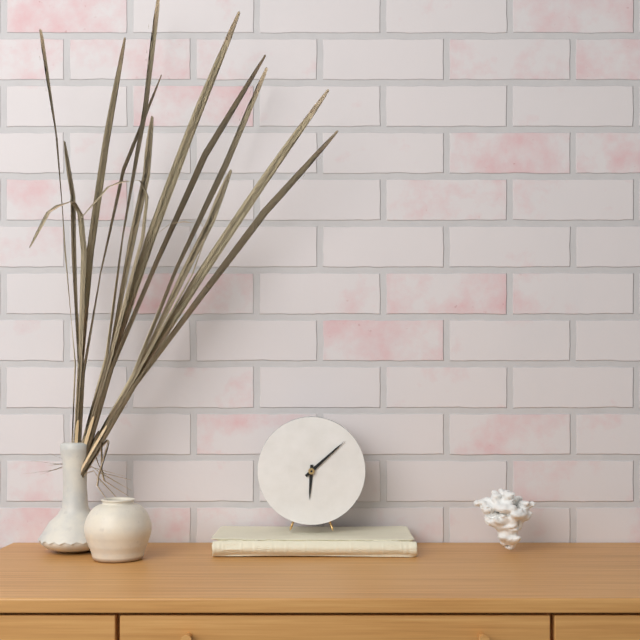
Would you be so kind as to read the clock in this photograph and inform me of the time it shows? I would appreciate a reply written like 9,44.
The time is 6,08
